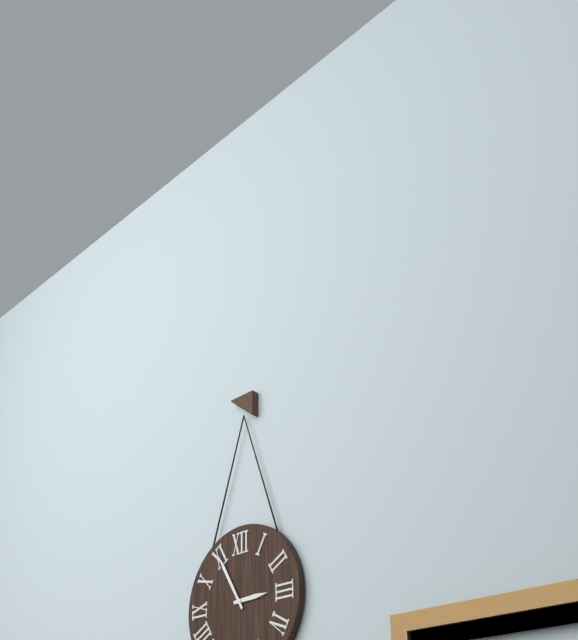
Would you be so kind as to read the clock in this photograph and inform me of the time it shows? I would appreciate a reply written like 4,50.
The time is 2,55
